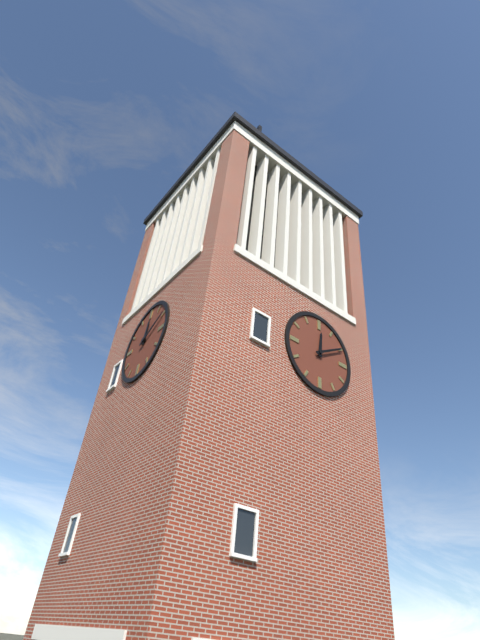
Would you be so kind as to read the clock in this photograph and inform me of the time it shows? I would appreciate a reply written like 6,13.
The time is 12,10
